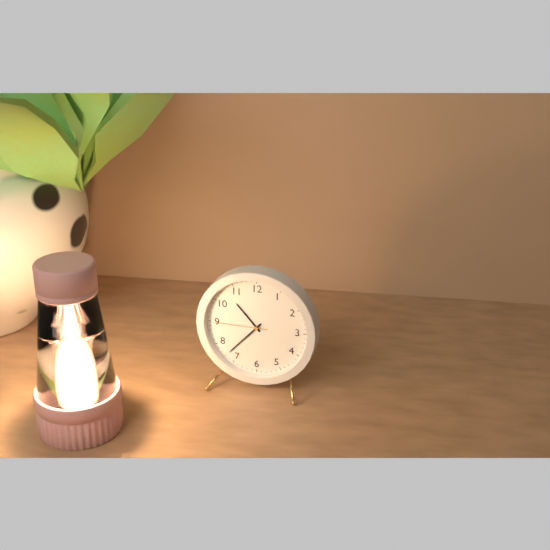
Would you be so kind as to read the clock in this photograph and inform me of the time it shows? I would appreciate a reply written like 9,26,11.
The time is 10,37,45
